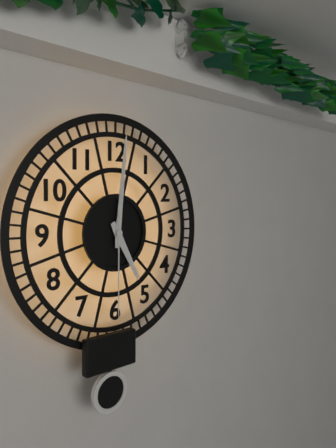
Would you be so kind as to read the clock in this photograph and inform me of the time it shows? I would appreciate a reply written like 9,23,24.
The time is 5,01,30
